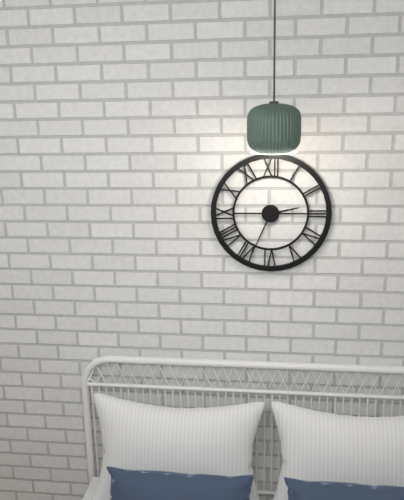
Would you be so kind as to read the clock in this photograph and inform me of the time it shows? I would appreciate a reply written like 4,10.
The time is 2,34
